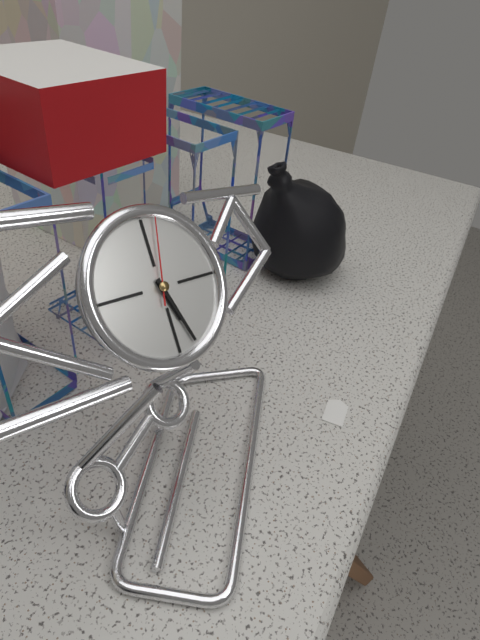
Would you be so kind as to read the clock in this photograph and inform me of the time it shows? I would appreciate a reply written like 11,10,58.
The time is 5,27,02
